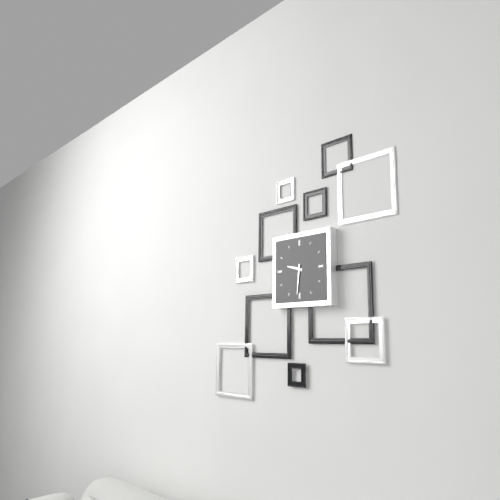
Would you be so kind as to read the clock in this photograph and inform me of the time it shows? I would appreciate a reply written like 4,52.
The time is 9,31
